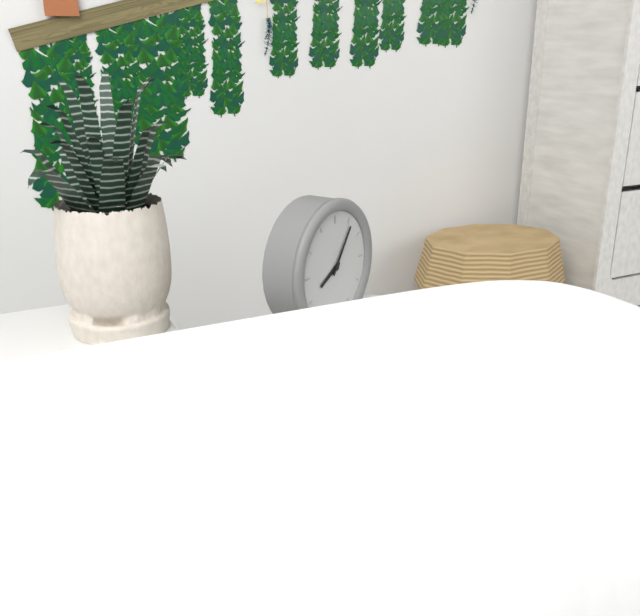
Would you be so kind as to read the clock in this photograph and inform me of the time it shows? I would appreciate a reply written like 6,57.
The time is 8,06
